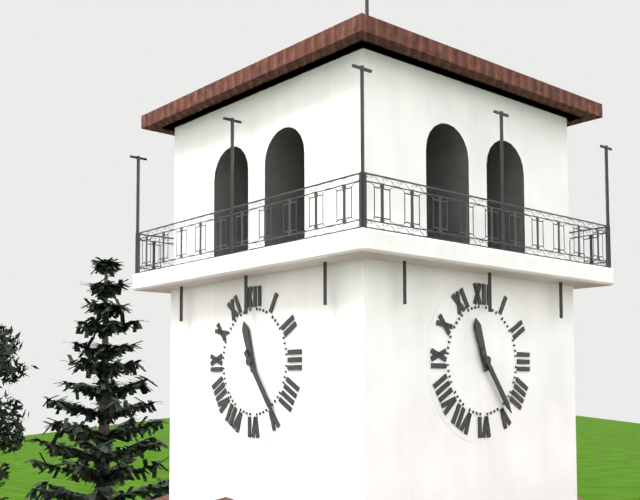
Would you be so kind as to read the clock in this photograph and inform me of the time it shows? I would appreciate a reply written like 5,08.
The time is 11,24
